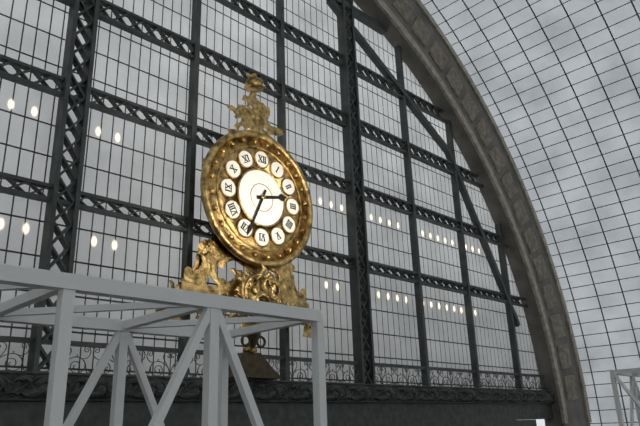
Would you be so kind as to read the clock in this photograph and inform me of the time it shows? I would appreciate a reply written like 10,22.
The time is 2,34
